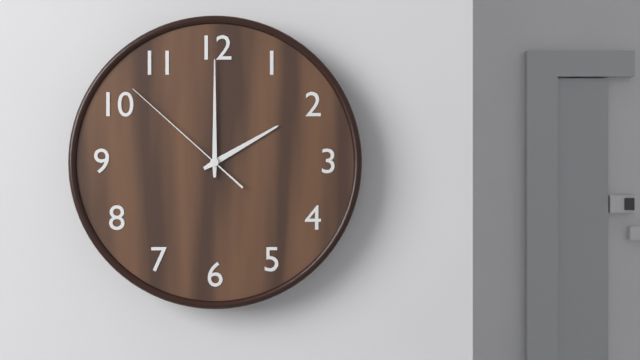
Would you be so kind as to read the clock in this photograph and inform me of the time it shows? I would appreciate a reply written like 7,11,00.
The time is 2,00,52
